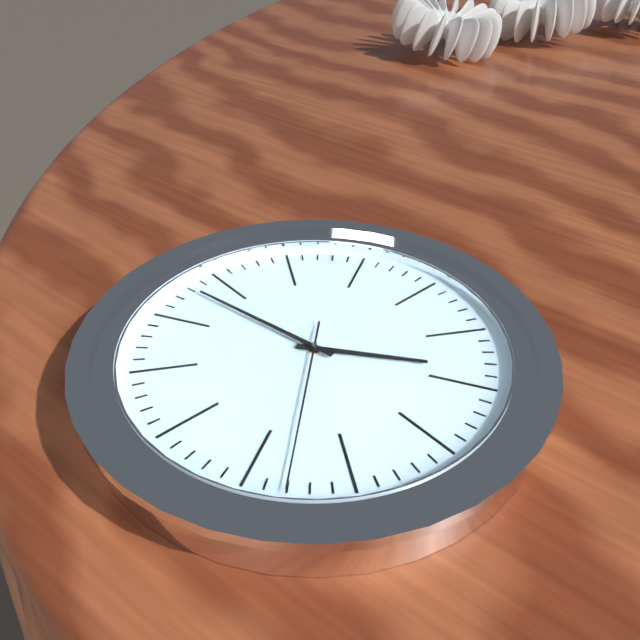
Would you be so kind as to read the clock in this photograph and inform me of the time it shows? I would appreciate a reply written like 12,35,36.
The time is 1,43,23
